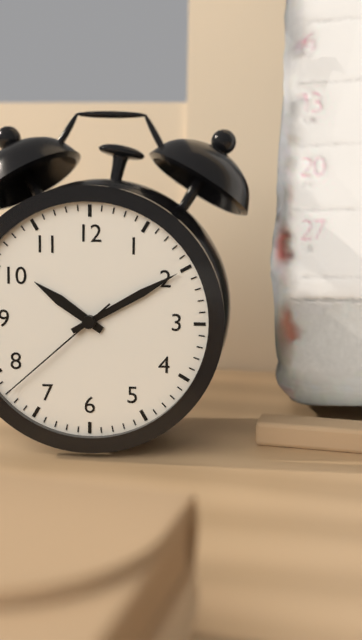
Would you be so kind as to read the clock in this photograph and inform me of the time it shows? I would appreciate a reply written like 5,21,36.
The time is 10,10,38
